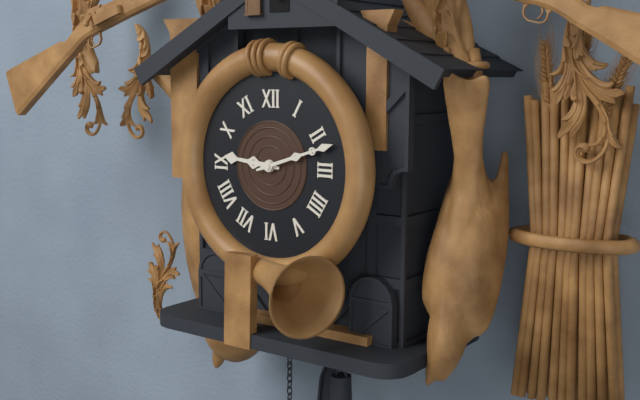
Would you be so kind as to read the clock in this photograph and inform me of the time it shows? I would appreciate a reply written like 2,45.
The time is 9,12
